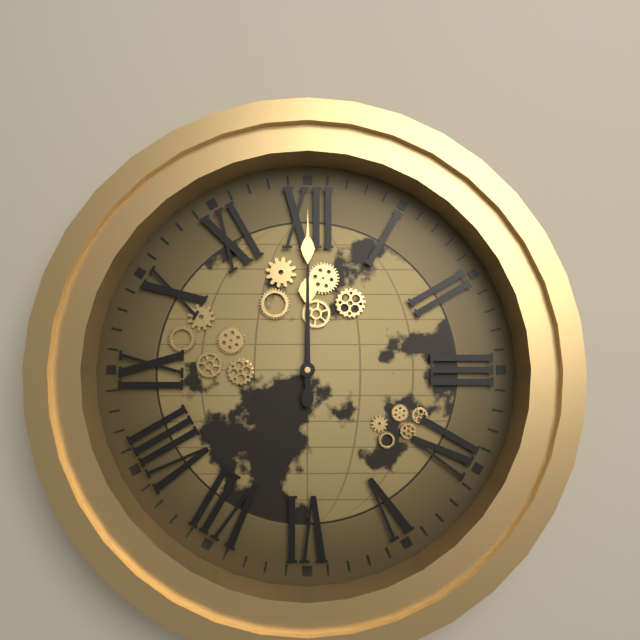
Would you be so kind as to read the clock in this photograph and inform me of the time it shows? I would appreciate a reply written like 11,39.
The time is 12,00
